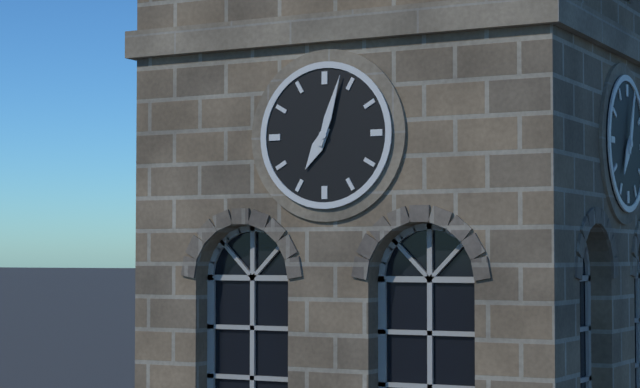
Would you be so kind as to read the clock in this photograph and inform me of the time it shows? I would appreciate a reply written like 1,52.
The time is 7,03
